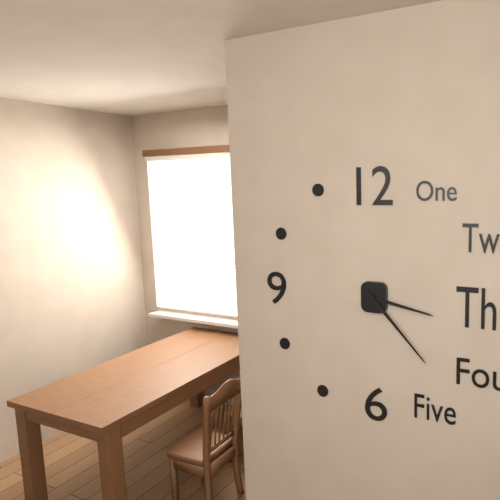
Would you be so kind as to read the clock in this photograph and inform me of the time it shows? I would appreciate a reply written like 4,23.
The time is 3,23
